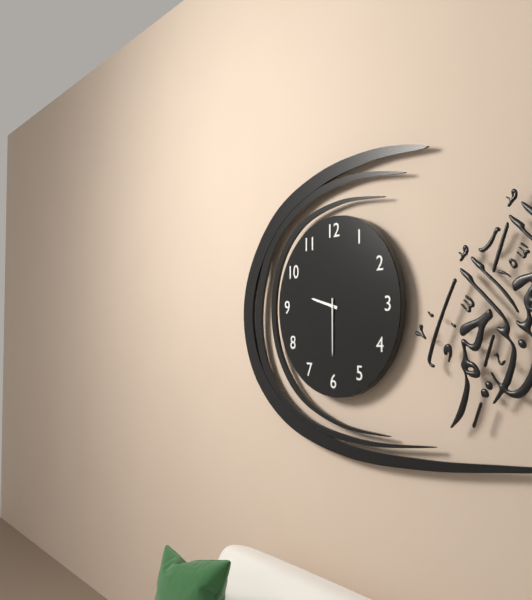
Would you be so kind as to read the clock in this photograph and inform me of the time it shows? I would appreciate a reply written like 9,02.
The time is 9,30
